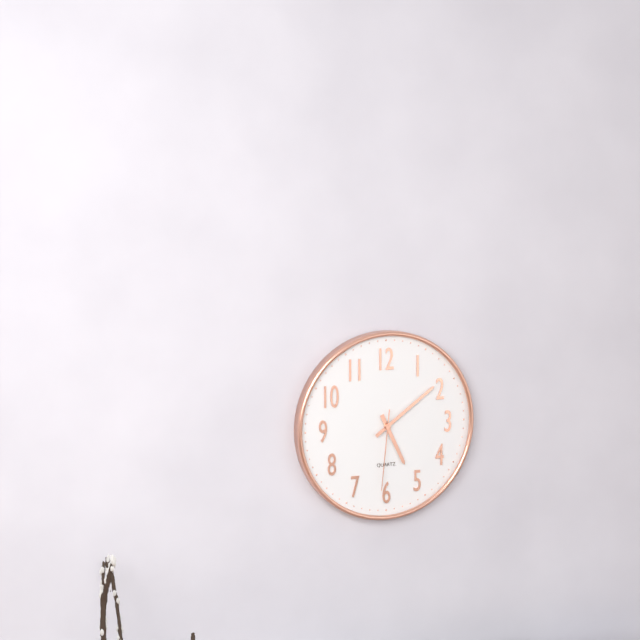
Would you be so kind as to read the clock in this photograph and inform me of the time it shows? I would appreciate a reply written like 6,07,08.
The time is 5,09,31
